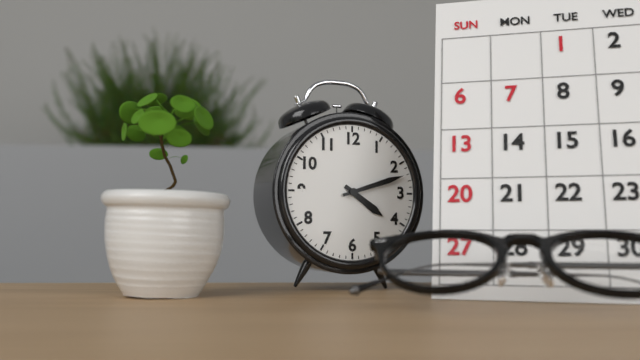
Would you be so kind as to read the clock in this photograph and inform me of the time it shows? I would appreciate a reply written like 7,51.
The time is 4,12
